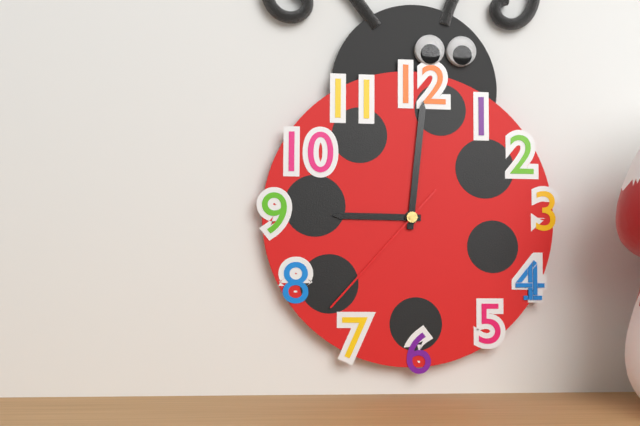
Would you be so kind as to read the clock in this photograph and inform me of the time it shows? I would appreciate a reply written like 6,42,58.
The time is 9,01,37
